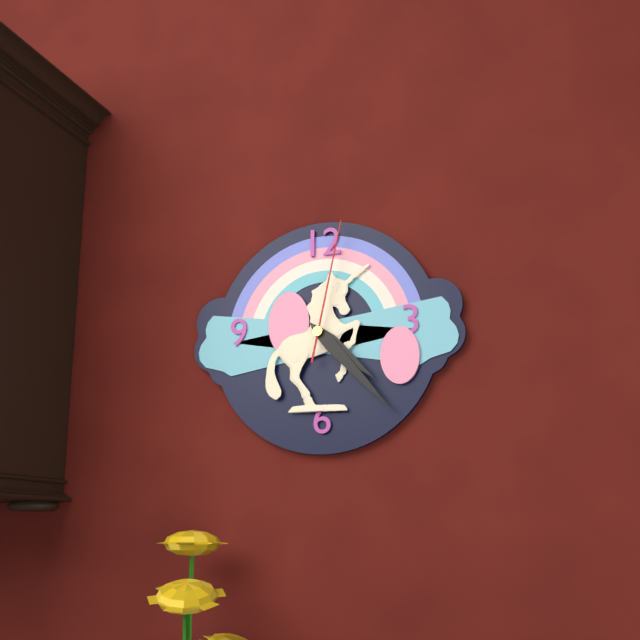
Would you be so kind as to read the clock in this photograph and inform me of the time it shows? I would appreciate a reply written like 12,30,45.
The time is 4,23,02
